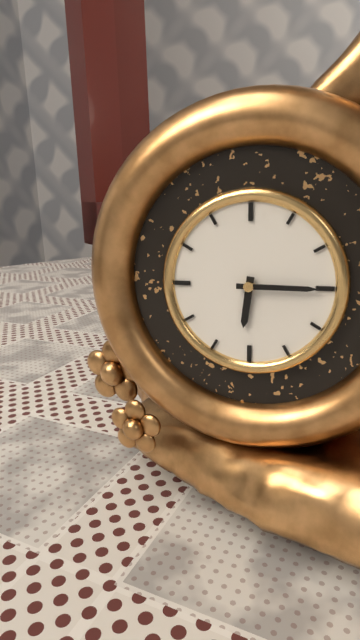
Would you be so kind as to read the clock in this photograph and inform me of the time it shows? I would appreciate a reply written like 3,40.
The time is 6,15
